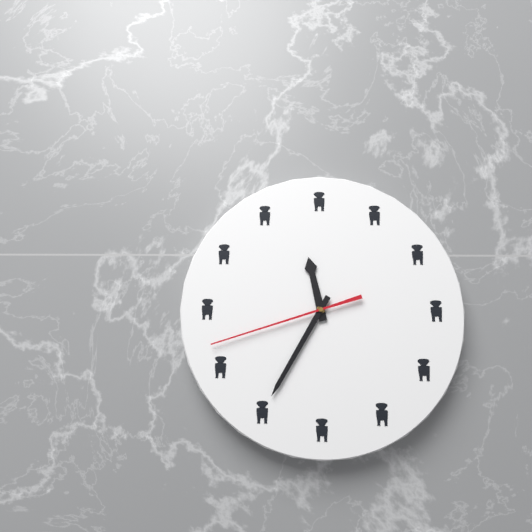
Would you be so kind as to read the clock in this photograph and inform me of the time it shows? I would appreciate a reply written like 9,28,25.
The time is 11,35,42
